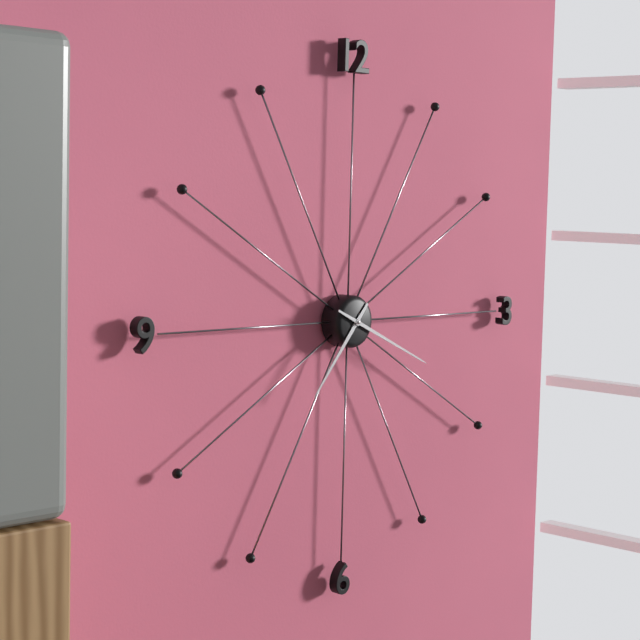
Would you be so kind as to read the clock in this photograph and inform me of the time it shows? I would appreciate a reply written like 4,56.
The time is 7,19
